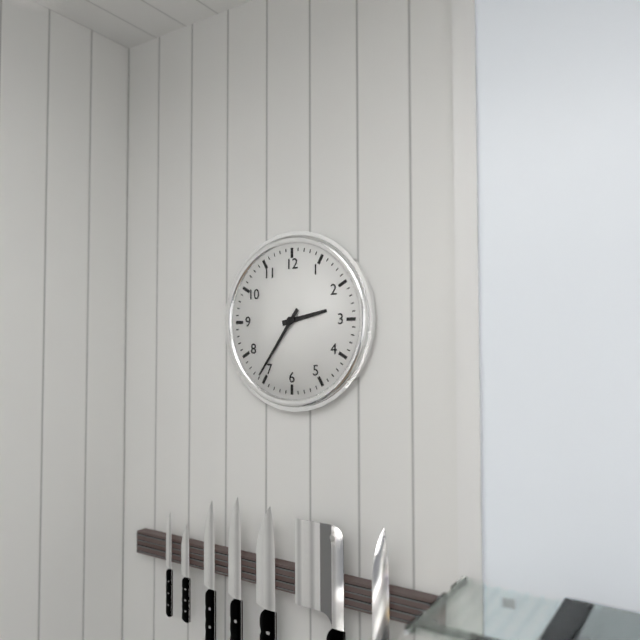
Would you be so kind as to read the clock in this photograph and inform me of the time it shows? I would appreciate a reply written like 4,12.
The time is 2,36
